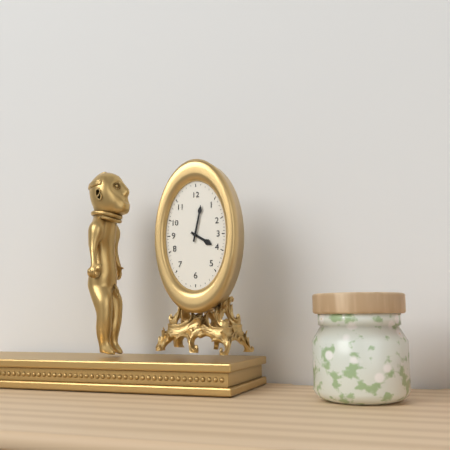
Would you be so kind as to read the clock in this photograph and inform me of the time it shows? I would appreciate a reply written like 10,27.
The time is 4,02
